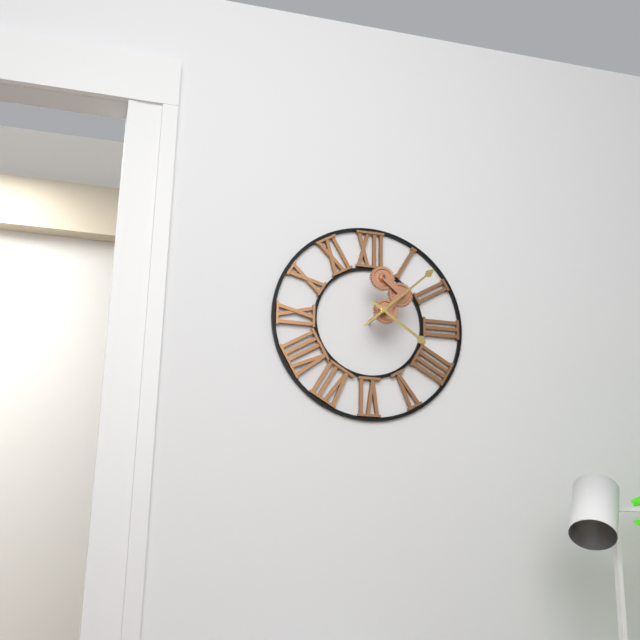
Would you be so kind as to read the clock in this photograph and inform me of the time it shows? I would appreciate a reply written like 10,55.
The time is 4,08
